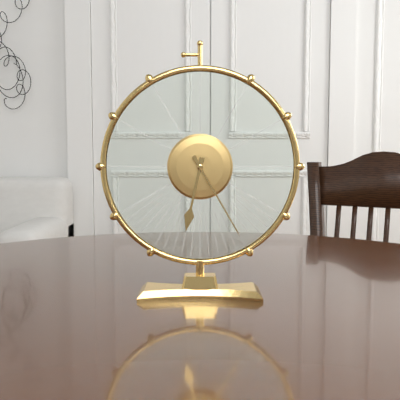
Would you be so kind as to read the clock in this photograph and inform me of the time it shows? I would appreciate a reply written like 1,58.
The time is 6,25
